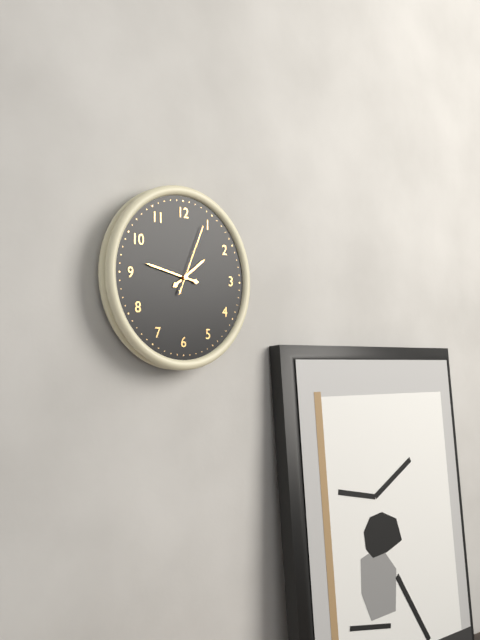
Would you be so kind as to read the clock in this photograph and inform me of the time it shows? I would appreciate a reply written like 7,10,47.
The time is 1,47,04
